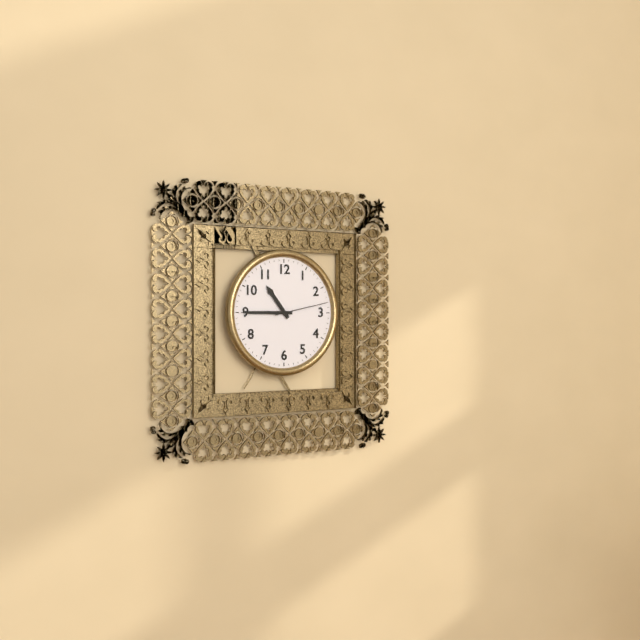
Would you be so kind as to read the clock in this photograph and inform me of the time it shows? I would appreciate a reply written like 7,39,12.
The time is 10,45,13
